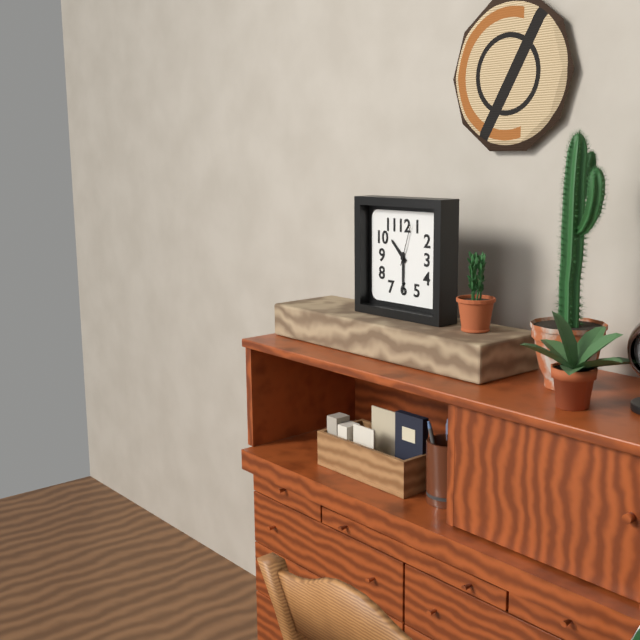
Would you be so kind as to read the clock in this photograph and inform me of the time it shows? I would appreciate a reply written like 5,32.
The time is 10,30
